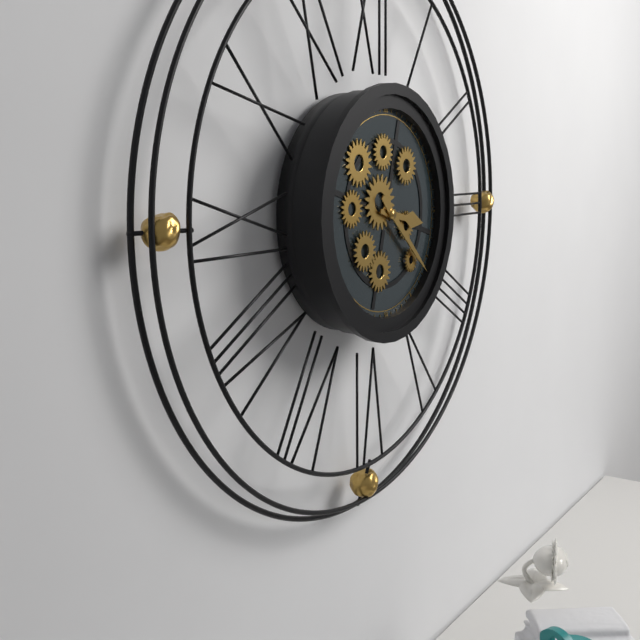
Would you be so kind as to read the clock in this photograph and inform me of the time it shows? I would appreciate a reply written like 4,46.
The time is 3,22
